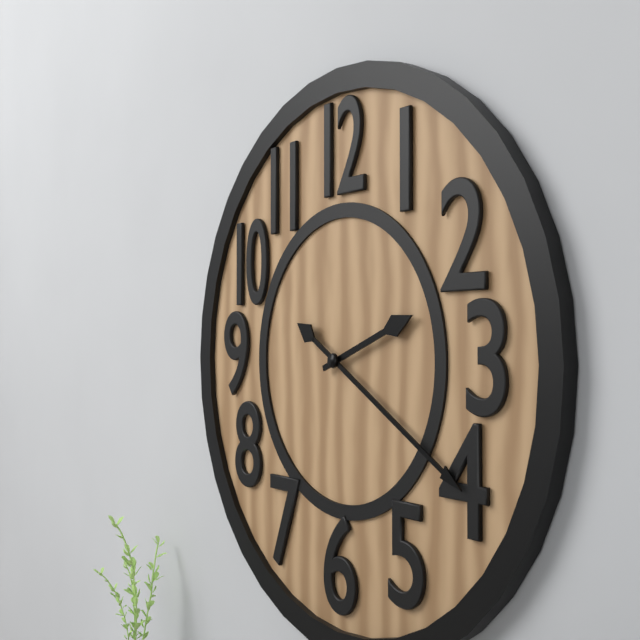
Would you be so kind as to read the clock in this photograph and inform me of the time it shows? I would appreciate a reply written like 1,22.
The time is 2,20
